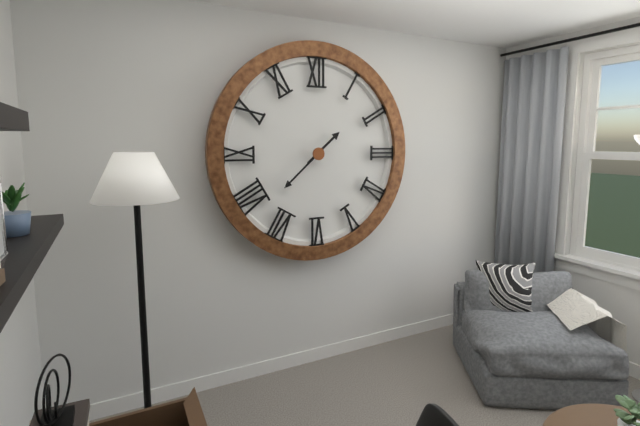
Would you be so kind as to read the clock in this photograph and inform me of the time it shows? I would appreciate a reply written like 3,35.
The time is 1,38
